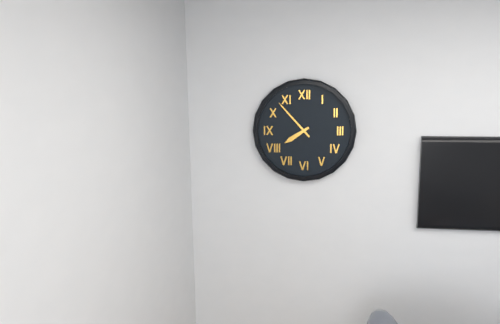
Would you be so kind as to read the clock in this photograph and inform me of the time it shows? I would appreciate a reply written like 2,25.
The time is 7,53
